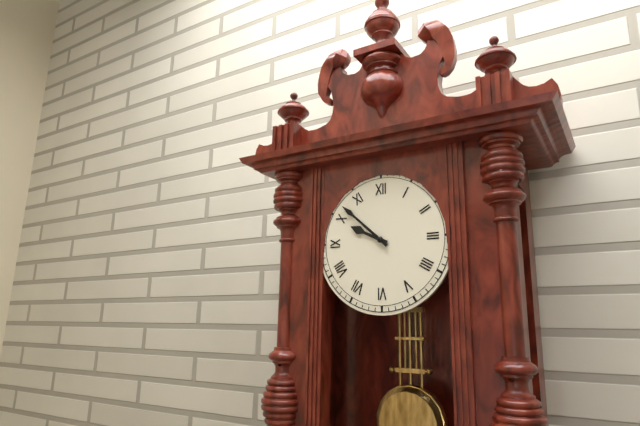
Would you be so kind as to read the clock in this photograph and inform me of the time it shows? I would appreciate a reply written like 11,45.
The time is 9,52
